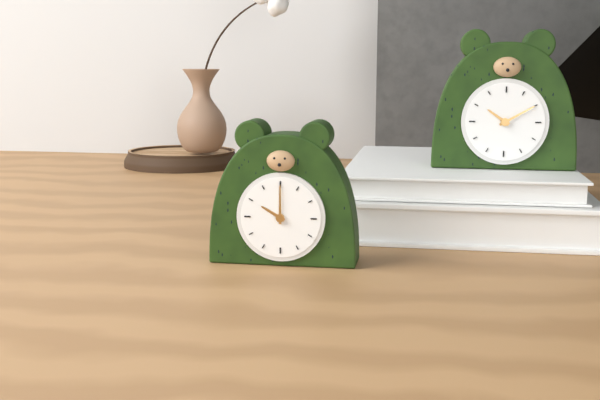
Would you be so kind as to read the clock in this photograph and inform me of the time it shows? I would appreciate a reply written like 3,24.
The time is 10,00
